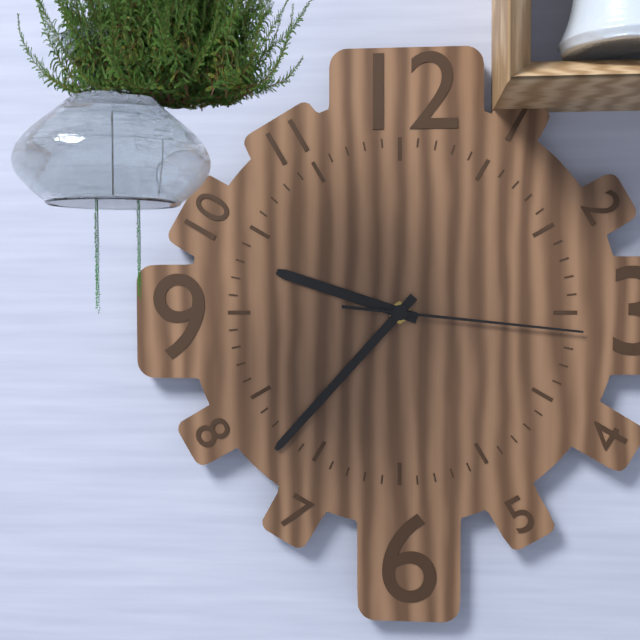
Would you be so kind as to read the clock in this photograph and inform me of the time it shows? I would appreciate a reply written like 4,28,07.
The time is 9,37,16
